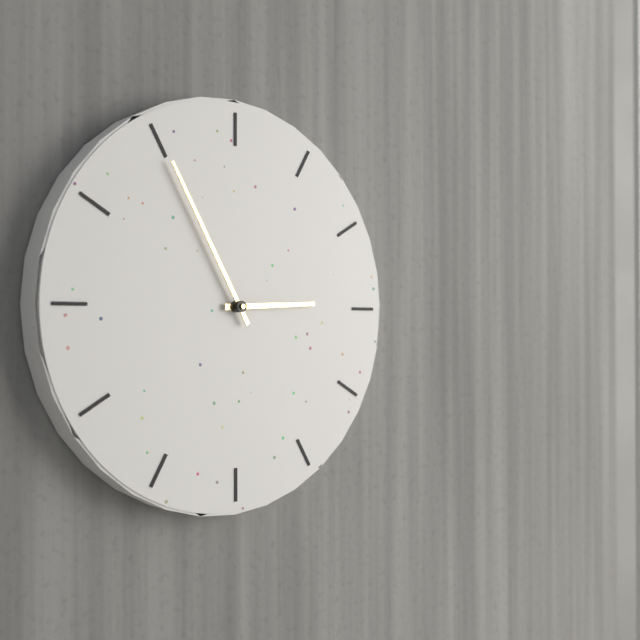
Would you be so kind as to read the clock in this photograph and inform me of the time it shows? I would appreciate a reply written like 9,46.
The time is 2,55
